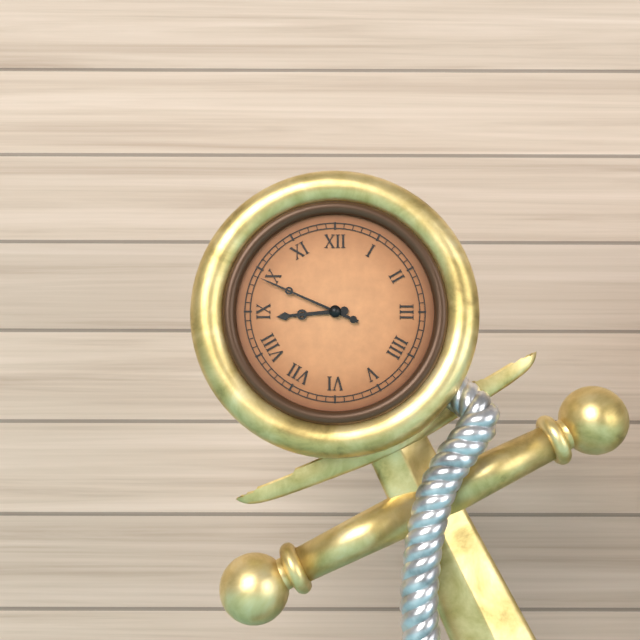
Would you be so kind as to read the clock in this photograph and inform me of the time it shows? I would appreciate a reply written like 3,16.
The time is 8,49
